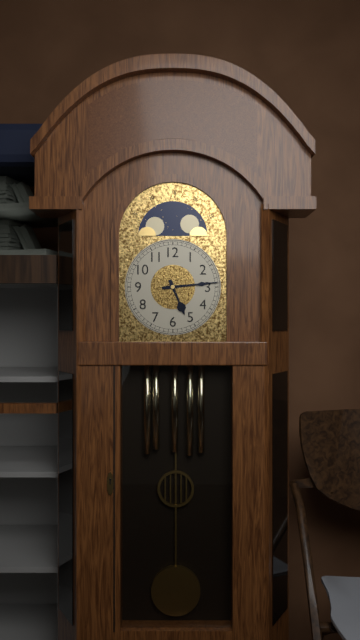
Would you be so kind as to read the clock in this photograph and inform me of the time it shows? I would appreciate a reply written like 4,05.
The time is 5,14
